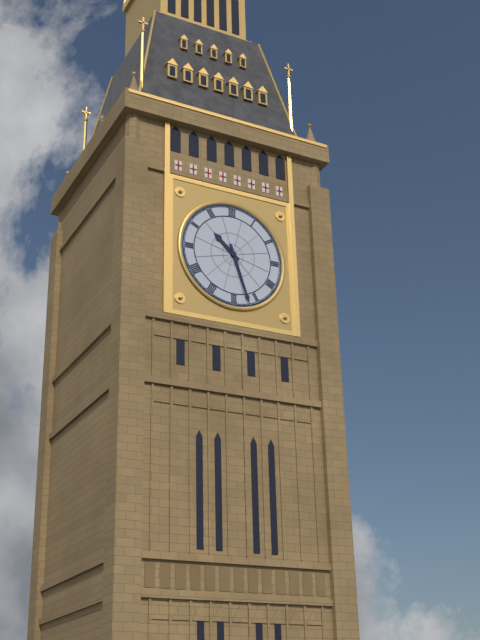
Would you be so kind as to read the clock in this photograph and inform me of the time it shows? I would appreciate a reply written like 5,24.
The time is 10,27
